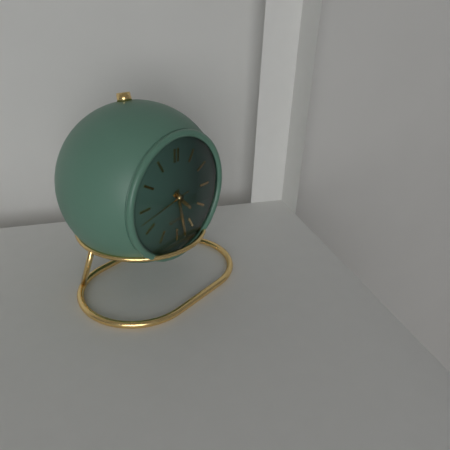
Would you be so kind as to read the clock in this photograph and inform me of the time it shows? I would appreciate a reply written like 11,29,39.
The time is 4,28,43
